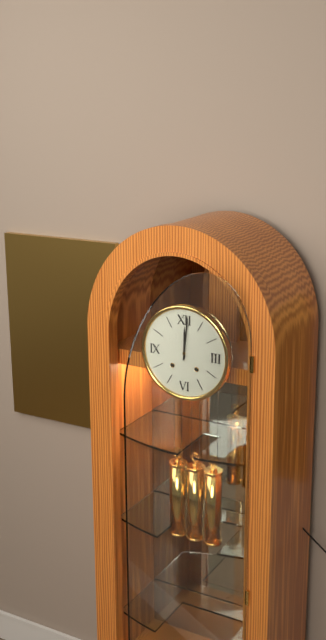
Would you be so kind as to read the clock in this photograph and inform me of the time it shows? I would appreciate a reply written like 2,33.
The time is 12,01
